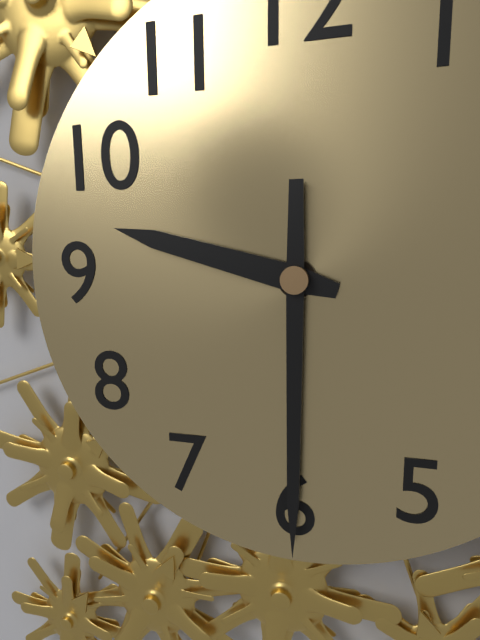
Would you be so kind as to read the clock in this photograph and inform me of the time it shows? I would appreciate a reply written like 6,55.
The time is 9,30
